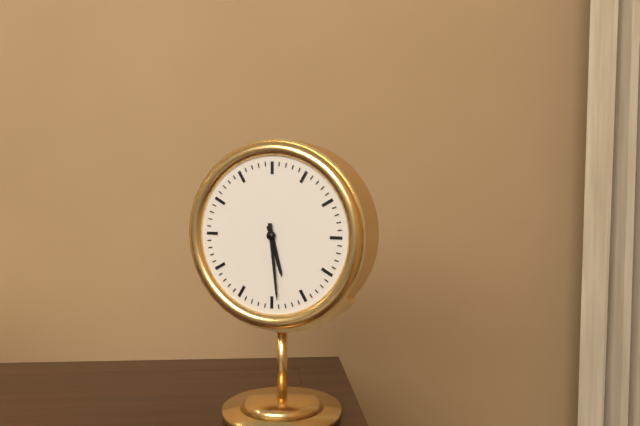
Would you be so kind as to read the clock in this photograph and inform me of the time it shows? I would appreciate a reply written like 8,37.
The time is 5,29
